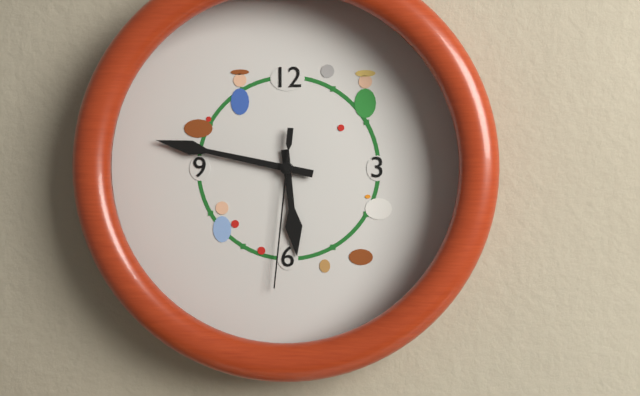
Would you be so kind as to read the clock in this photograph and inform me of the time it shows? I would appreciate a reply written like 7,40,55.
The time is 5,47,31
